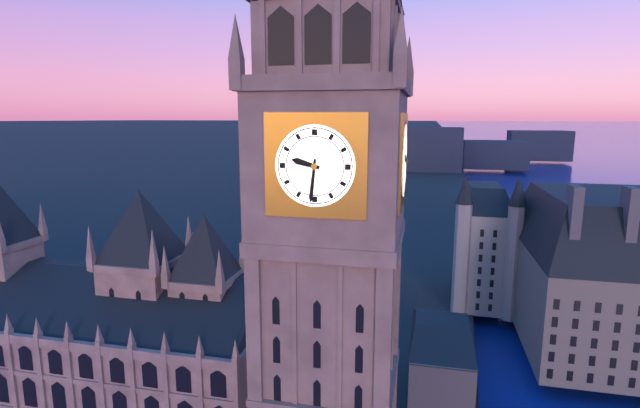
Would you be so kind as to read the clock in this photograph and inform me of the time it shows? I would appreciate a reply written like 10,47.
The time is 9,31
